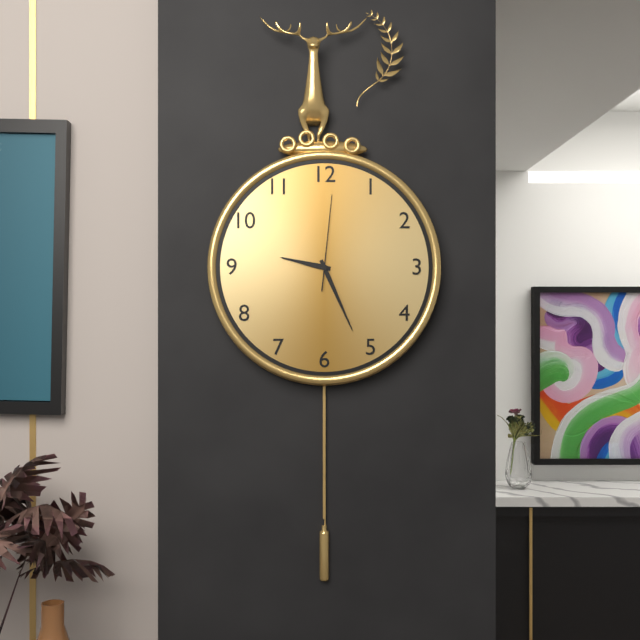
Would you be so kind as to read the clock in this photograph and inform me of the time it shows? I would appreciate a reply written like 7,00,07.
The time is 9,26,01
